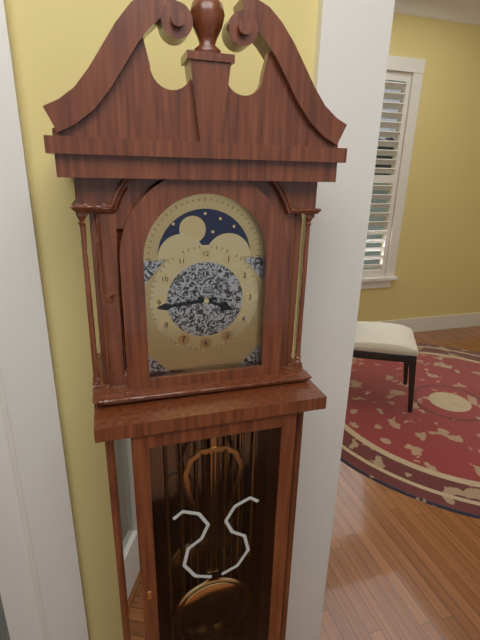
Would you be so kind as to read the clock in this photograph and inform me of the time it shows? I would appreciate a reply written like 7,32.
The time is 3,44
